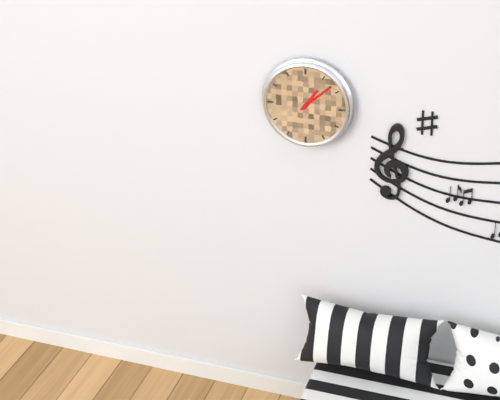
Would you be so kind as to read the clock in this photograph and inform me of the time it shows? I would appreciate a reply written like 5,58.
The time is 1,08
